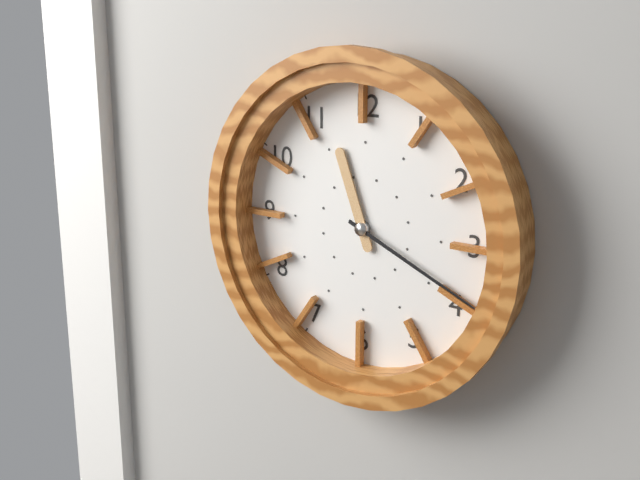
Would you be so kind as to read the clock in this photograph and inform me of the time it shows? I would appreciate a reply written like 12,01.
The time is 11,19
